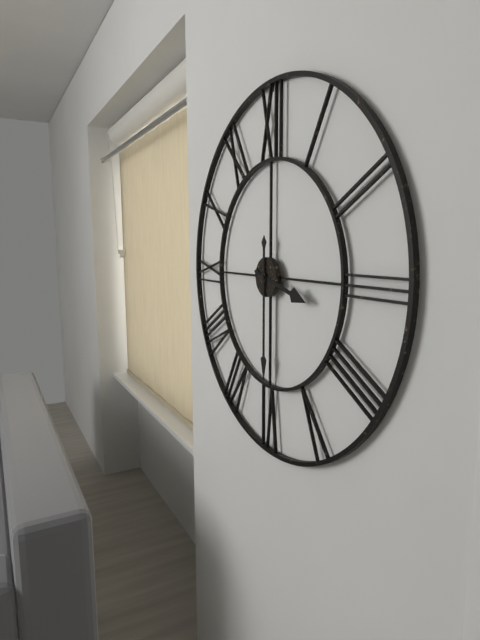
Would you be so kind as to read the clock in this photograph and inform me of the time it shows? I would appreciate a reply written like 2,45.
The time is 3,30
